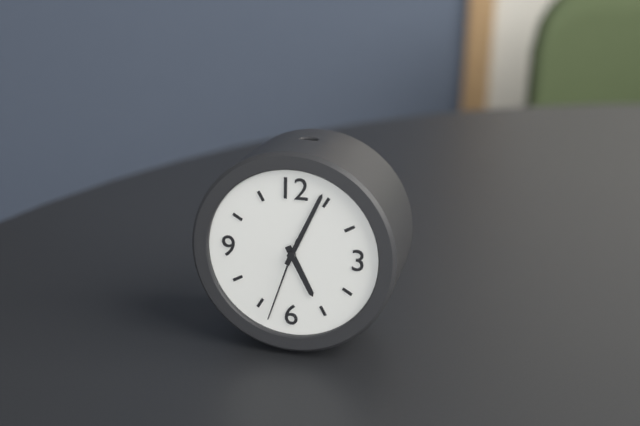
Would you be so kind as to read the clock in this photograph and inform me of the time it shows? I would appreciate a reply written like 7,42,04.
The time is 5,04,33
